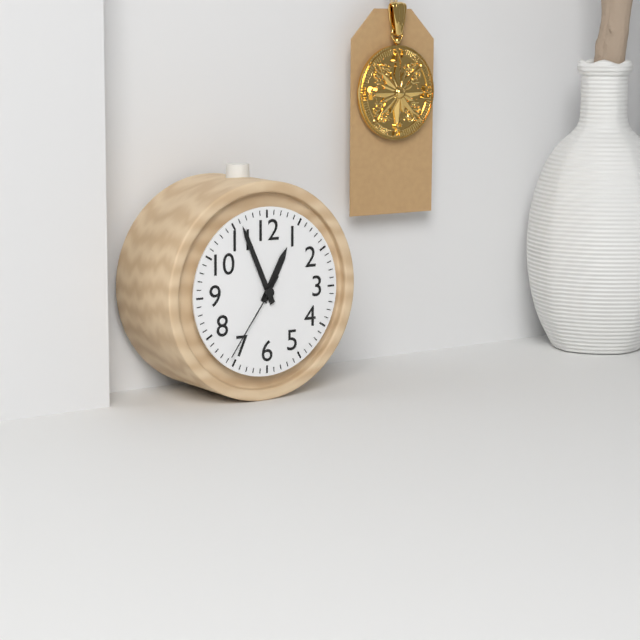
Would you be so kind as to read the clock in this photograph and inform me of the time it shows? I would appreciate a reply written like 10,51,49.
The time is 12,56,36
